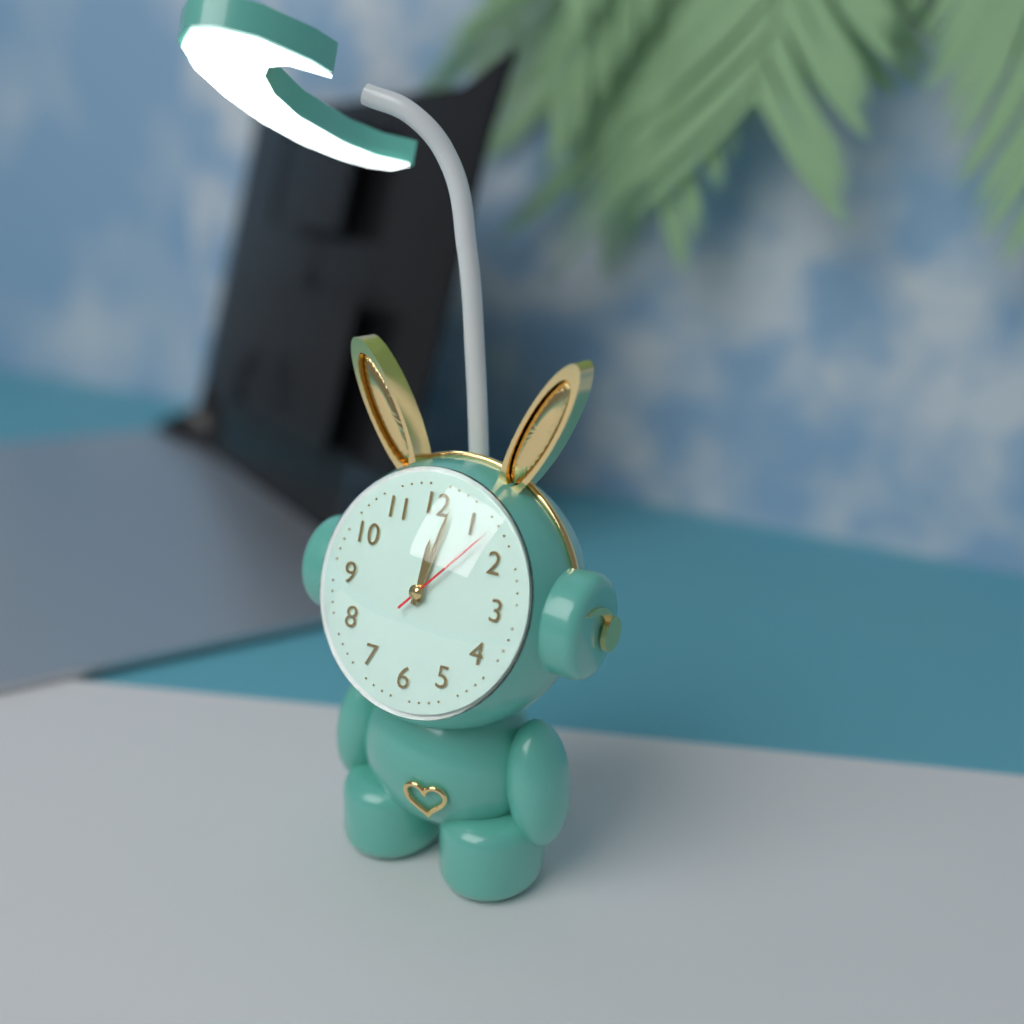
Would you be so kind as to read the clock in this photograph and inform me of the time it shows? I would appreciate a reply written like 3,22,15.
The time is 12,02,07
